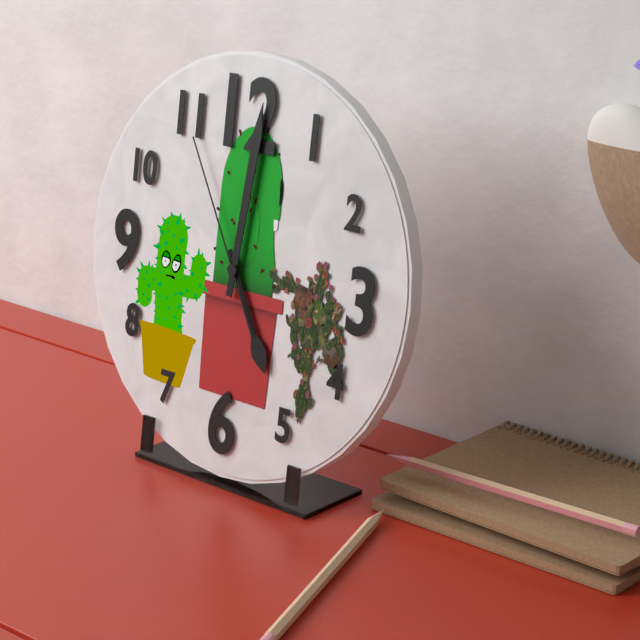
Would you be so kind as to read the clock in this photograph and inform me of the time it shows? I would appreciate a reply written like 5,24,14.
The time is 5,01,55
